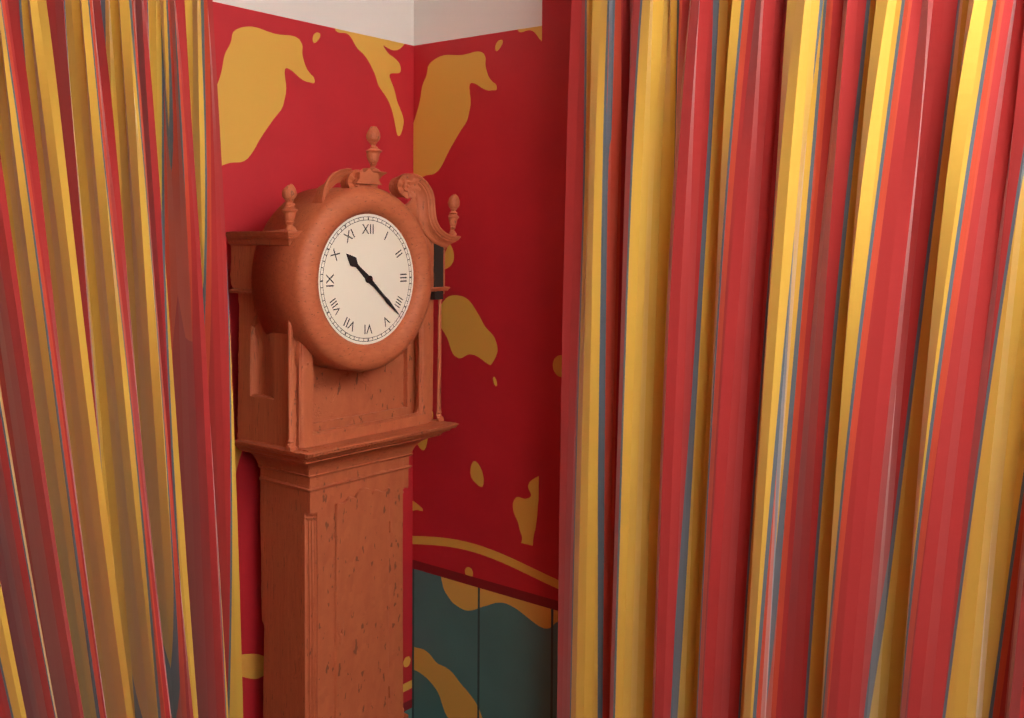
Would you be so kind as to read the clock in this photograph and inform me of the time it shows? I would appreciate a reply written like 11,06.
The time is 10,22
